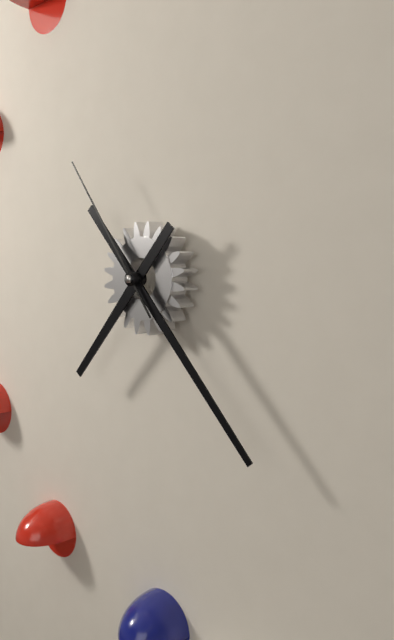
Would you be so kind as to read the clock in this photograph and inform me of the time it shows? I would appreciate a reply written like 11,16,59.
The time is 7,23,54
